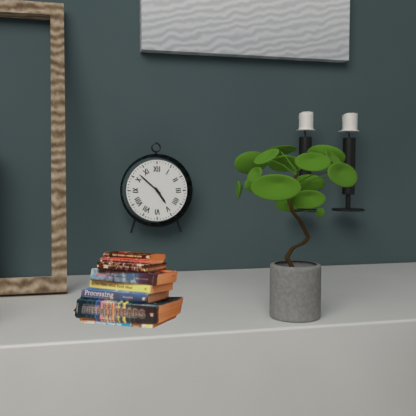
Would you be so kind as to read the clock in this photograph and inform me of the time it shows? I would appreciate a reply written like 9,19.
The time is 4,52
